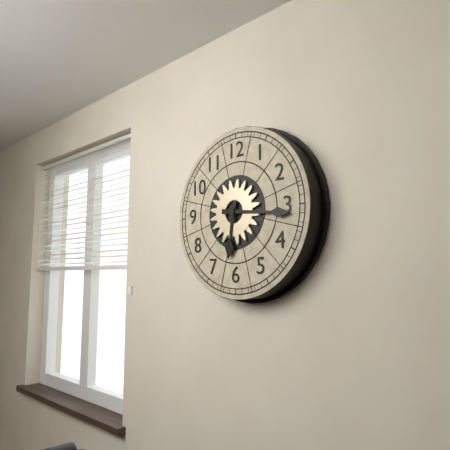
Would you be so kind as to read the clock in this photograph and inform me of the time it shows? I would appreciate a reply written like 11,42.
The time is 6,16
